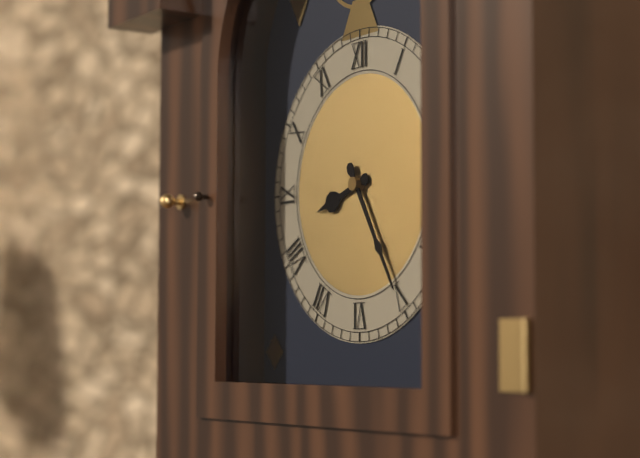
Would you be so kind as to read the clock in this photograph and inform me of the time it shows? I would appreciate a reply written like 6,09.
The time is 8,25
